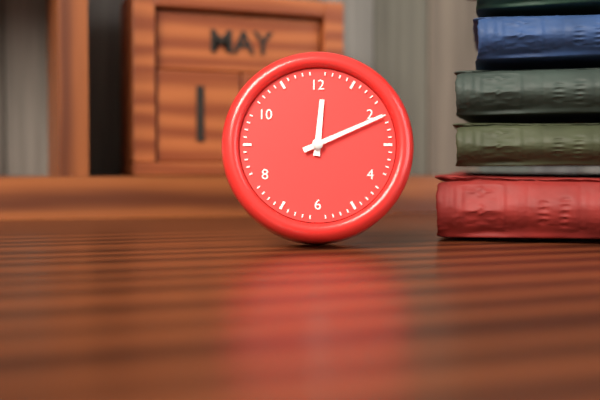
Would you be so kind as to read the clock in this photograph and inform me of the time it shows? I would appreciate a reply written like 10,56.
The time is 12,11
